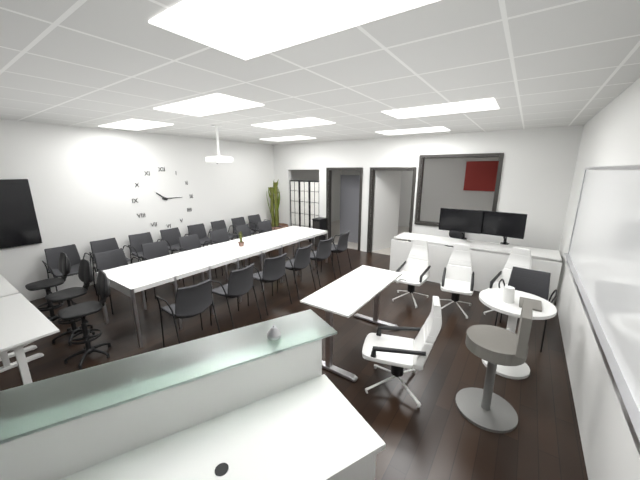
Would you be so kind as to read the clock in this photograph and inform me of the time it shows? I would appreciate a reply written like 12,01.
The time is 10,15
